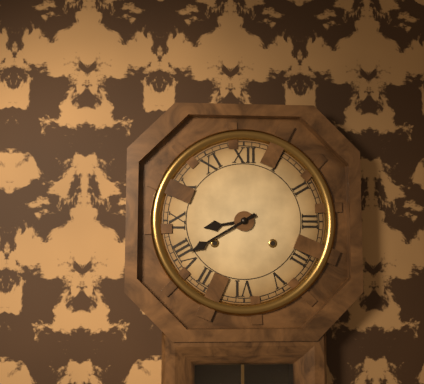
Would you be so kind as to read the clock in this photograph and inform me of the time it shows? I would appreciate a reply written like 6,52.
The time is 8,40
